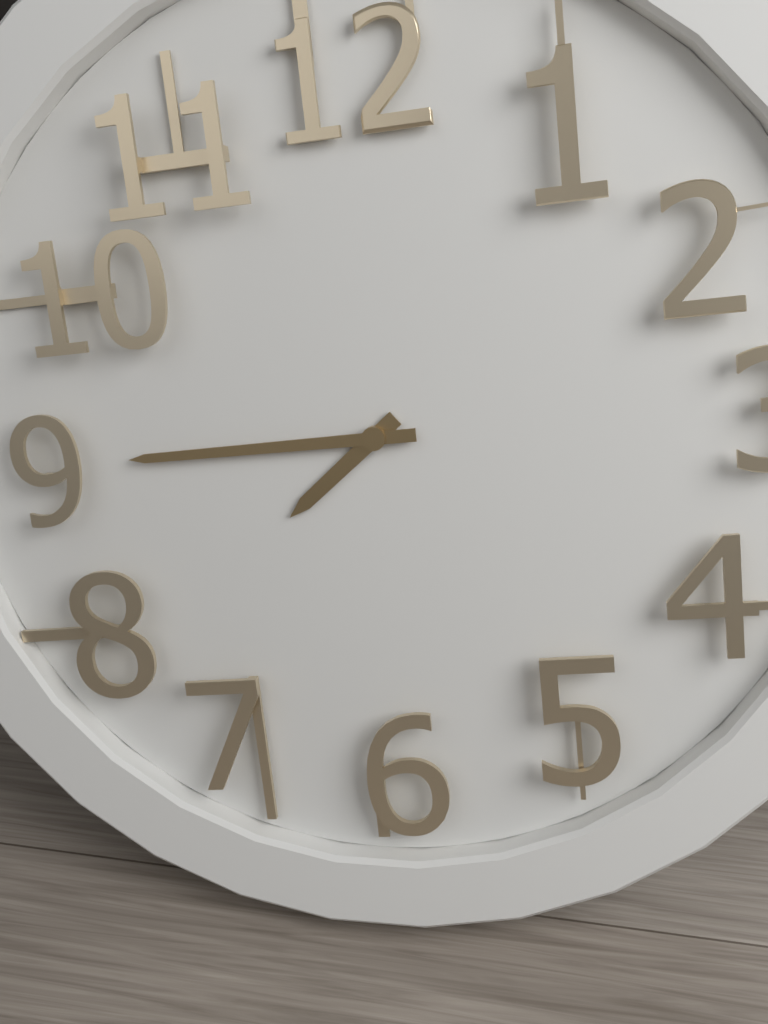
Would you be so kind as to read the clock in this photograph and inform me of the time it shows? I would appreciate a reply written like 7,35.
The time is 7,45
